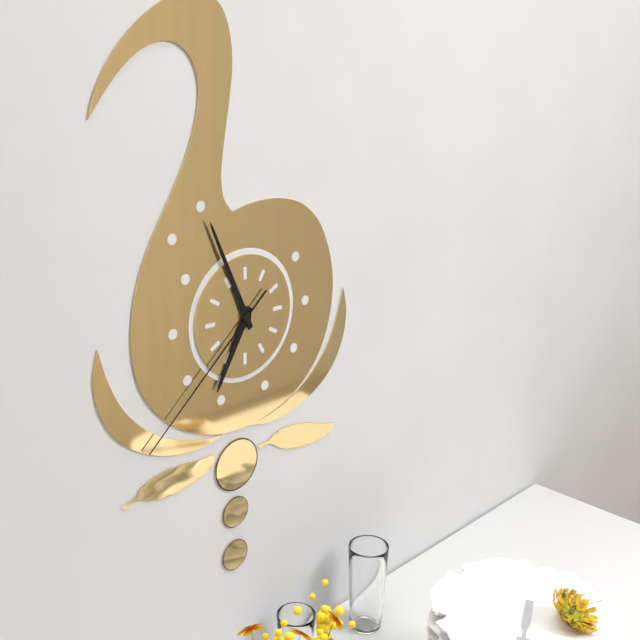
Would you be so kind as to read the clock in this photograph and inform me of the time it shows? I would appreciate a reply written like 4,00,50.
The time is 6,56,38
